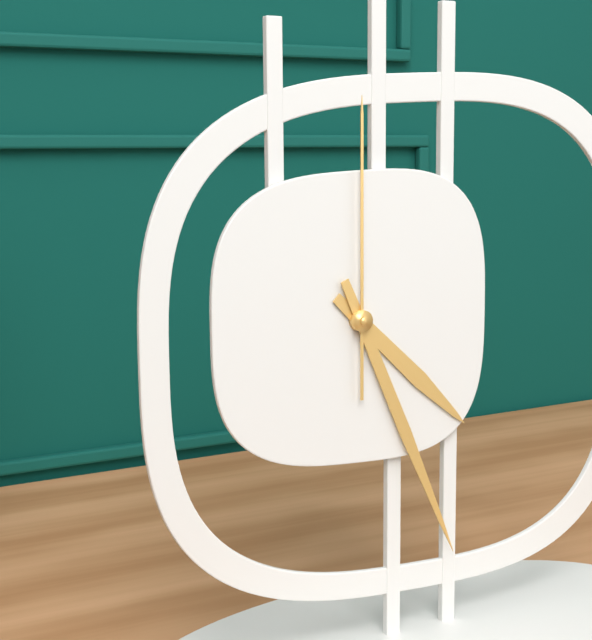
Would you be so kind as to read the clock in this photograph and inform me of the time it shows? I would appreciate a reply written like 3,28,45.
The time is 4,26,00
